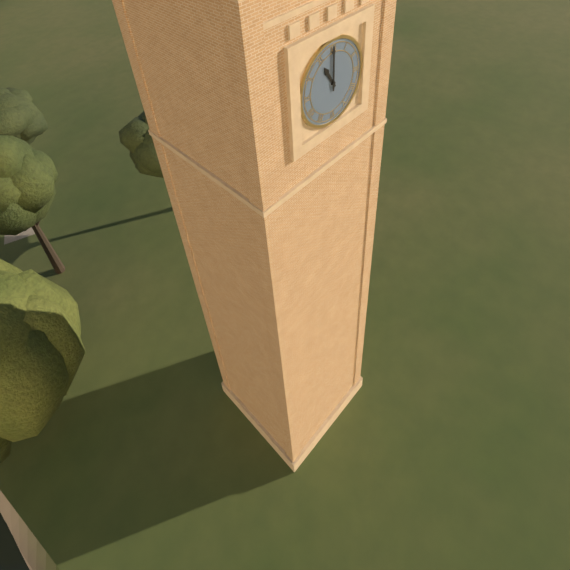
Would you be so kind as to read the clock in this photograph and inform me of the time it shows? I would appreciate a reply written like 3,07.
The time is 11,00
